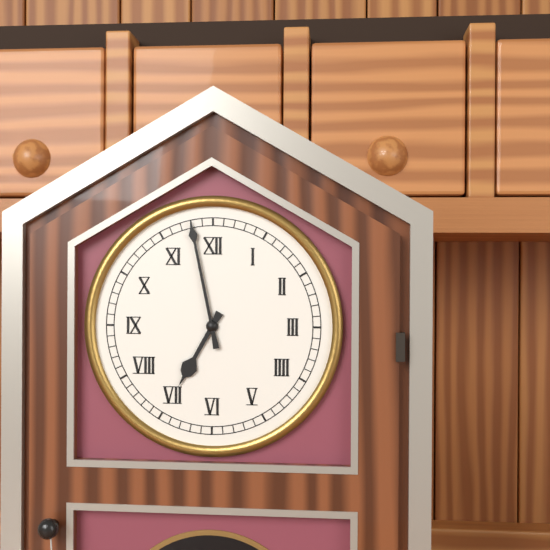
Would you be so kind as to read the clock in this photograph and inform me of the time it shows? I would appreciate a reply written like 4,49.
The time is 6,58
